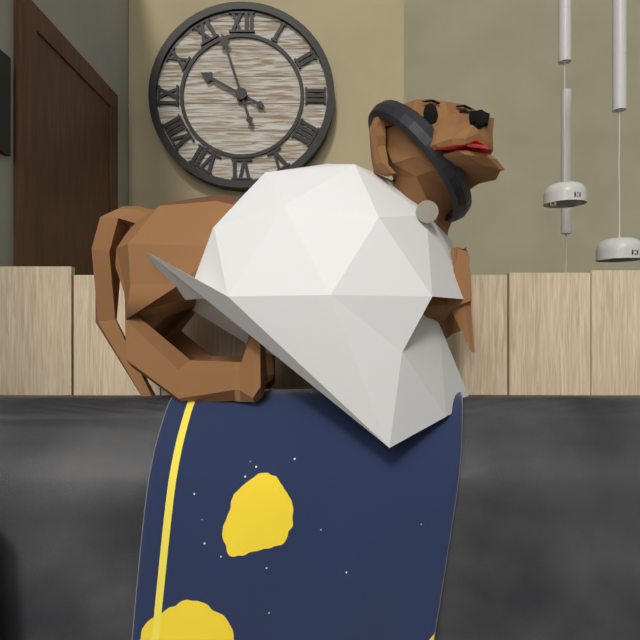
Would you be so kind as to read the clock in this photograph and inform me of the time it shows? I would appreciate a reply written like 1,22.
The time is 9,57
